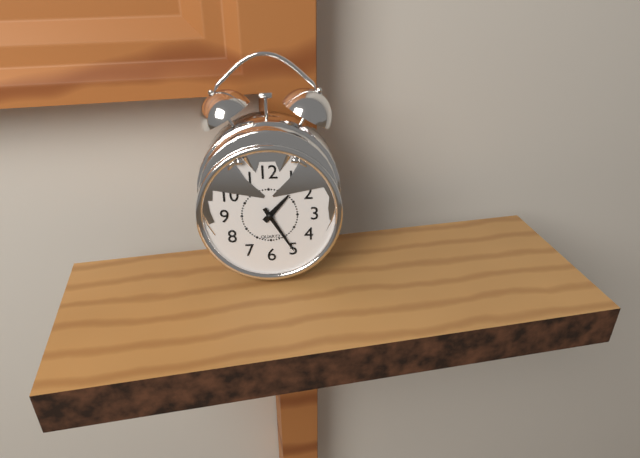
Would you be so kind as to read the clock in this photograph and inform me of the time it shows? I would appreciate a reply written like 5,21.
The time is 1,25
